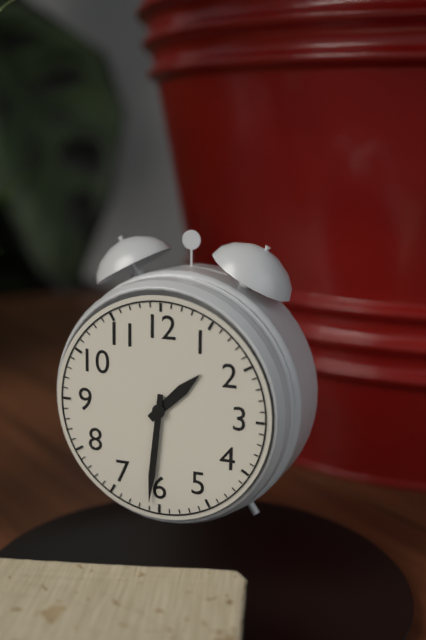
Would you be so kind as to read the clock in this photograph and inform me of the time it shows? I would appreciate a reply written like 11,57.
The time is 1,31
